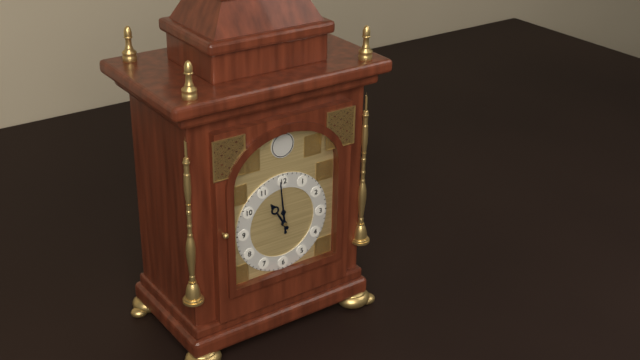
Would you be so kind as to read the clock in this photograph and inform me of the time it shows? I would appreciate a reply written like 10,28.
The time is 10,59
